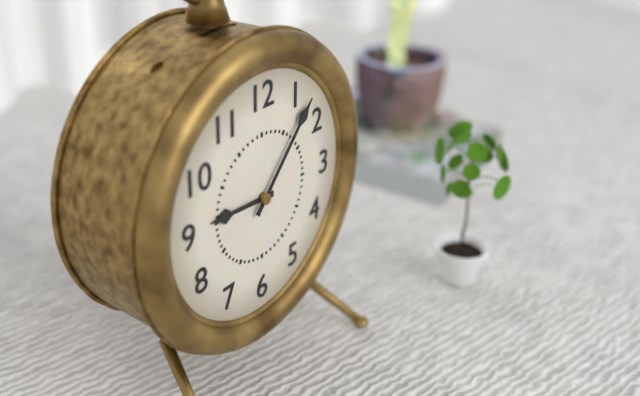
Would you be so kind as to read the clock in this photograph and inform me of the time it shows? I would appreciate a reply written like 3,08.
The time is 9,07
